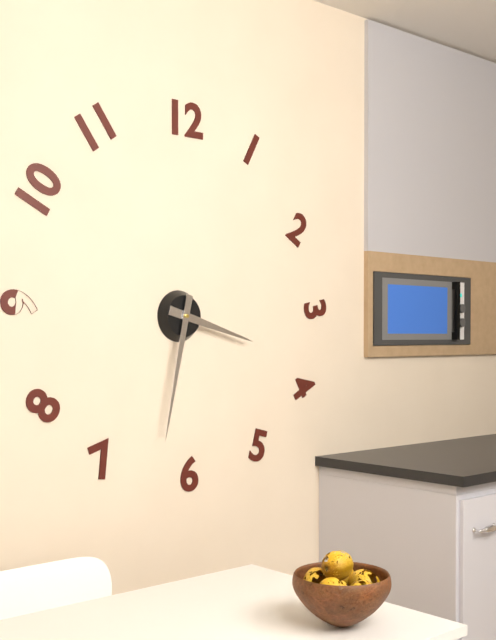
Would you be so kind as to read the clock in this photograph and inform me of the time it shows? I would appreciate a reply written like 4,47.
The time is 3,32
